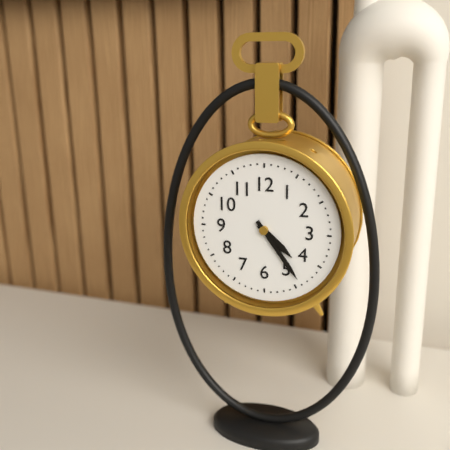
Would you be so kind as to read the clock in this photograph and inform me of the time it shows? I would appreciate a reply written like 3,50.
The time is 4,24
